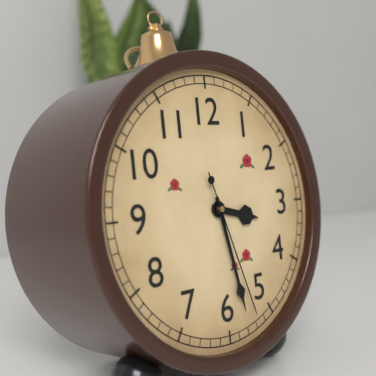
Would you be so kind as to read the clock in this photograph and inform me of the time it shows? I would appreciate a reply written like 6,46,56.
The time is 3,28,27
